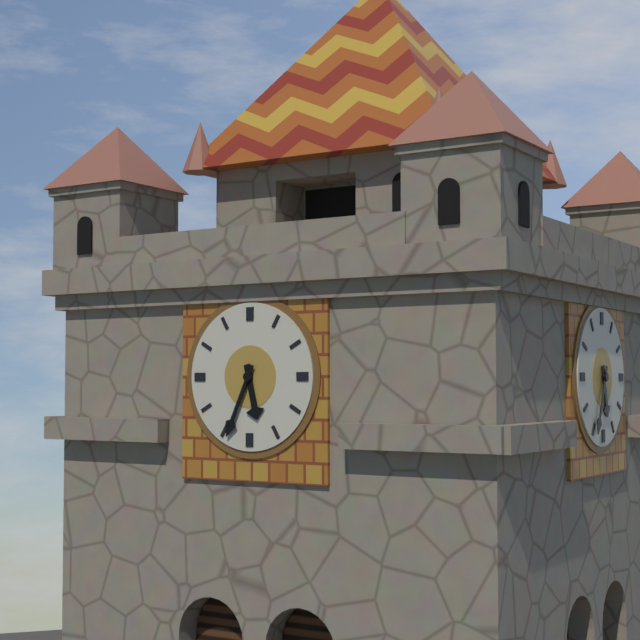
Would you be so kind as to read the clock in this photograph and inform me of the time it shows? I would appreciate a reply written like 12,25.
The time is 5,34
